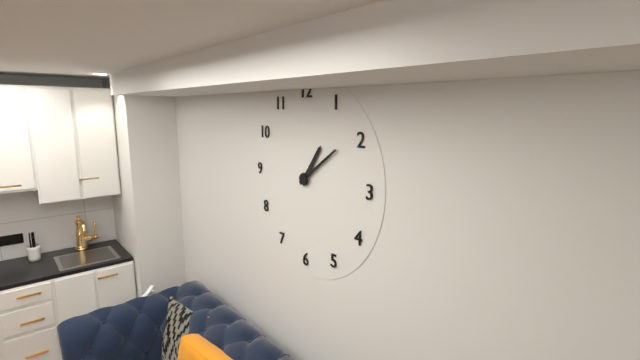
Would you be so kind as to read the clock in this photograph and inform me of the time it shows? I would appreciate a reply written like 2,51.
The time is 1,09
